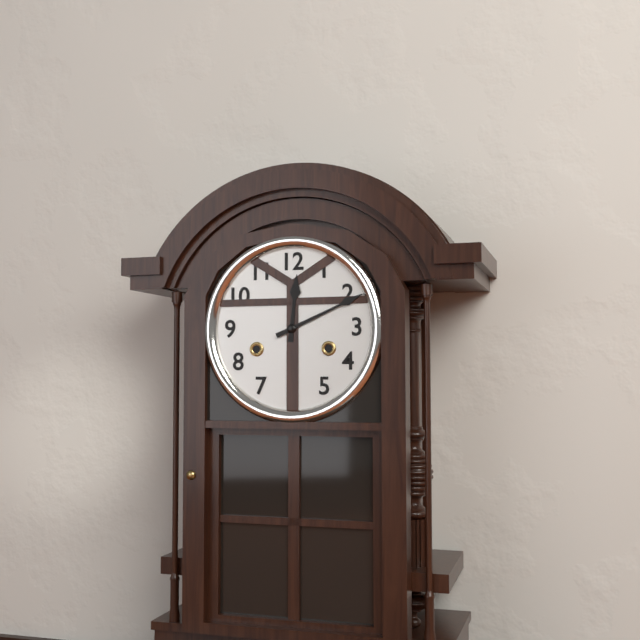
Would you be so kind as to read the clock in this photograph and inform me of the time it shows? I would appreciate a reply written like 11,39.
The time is 12,11
